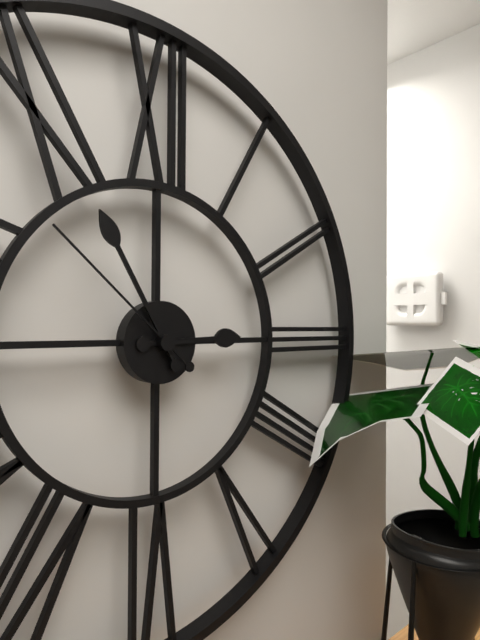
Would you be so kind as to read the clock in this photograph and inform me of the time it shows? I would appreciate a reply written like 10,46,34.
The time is 2,55,52
